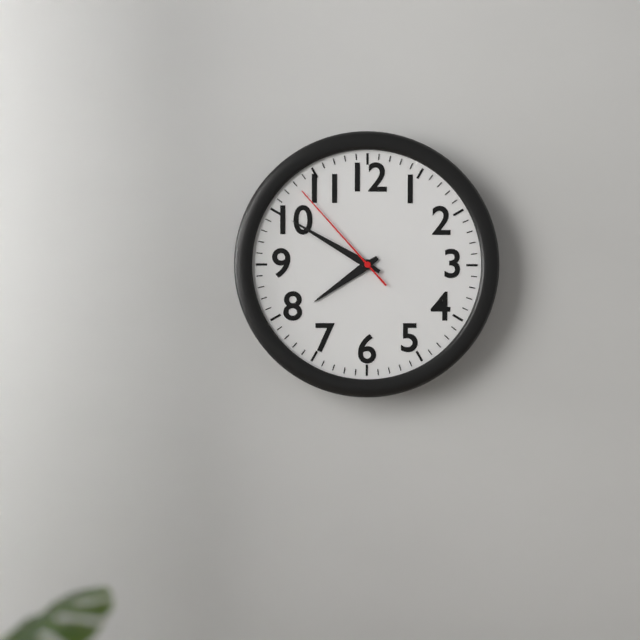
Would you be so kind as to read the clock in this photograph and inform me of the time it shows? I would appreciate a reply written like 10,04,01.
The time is 7,50,53
